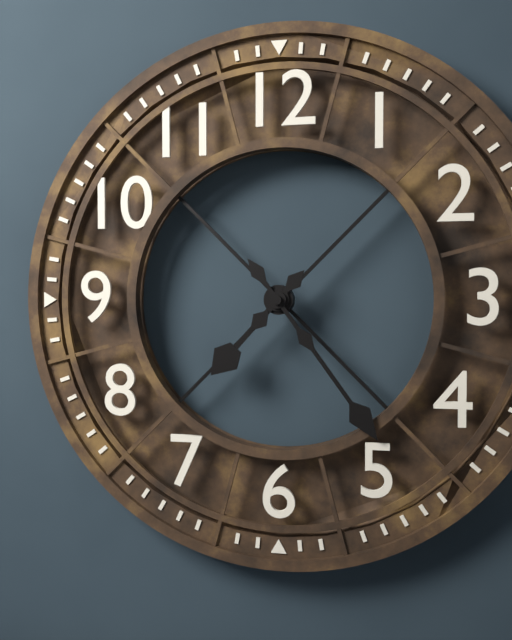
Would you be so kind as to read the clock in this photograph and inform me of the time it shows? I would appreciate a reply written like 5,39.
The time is 7,24
